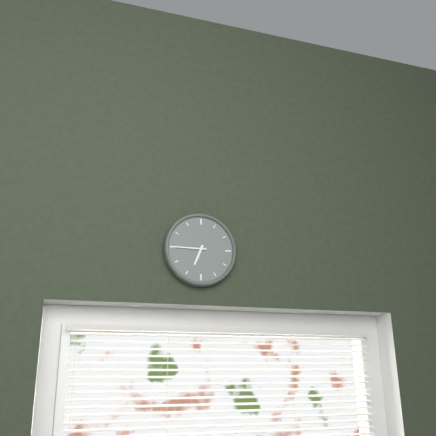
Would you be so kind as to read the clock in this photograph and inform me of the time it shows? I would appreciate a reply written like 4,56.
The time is 6,45
